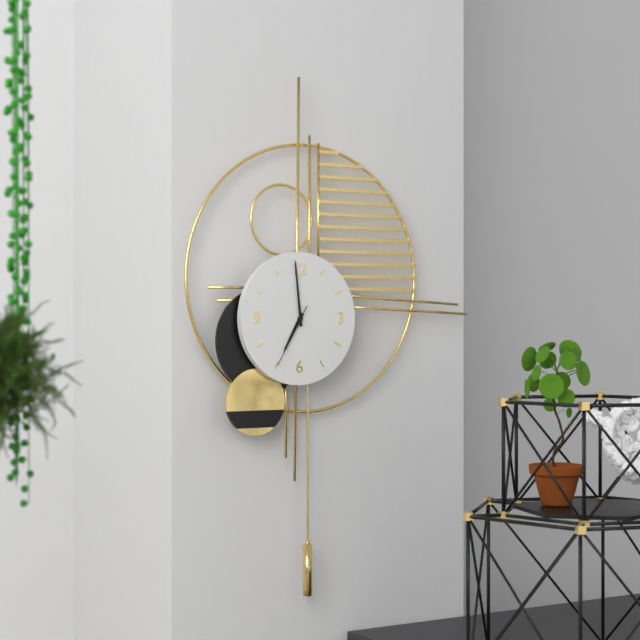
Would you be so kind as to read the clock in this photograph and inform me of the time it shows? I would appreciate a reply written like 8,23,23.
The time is 6,59,35
